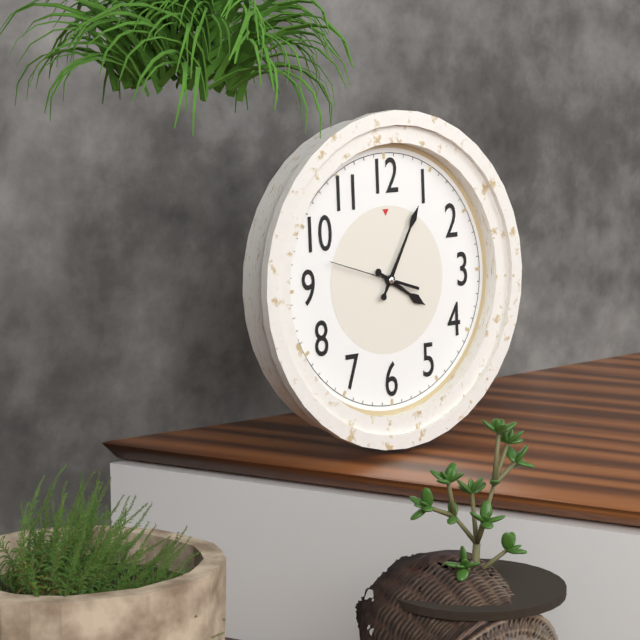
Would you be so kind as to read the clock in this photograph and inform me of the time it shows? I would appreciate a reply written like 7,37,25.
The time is 4,05,48
